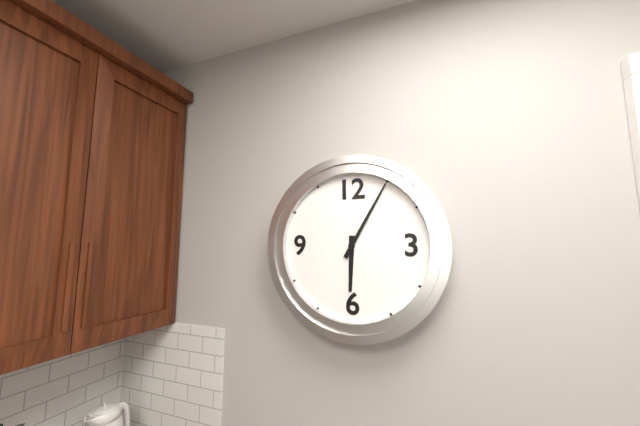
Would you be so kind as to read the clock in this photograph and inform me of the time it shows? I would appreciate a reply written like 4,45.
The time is 6,05
